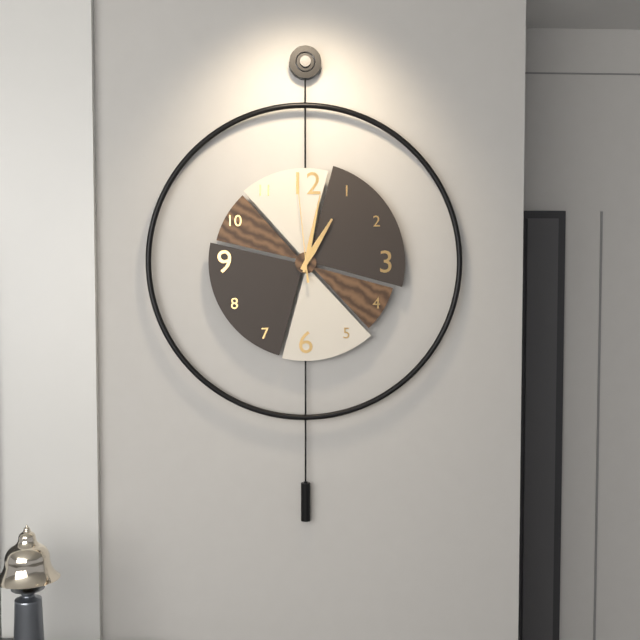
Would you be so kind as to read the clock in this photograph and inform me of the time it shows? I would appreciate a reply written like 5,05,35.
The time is 1,02,59
